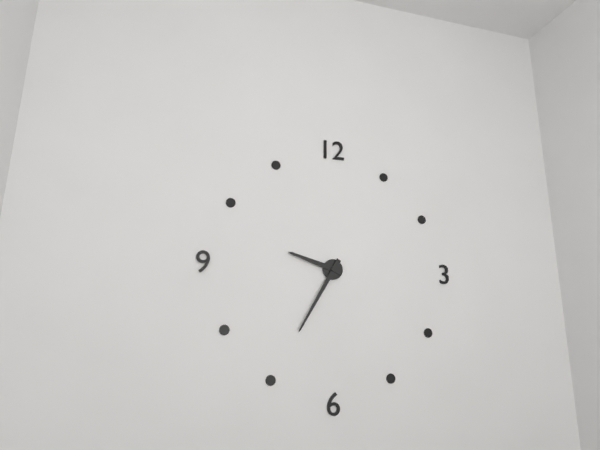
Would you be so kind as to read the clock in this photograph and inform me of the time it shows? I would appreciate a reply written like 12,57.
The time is 9,35
